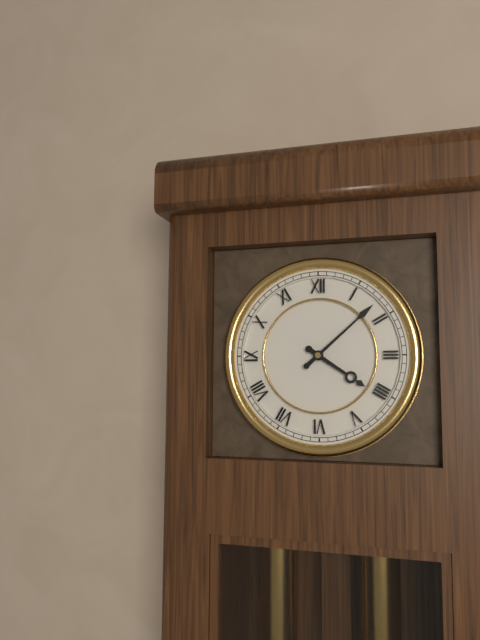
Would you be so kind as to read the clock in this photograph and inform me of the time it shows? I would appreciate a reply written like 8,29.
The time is 4,08
